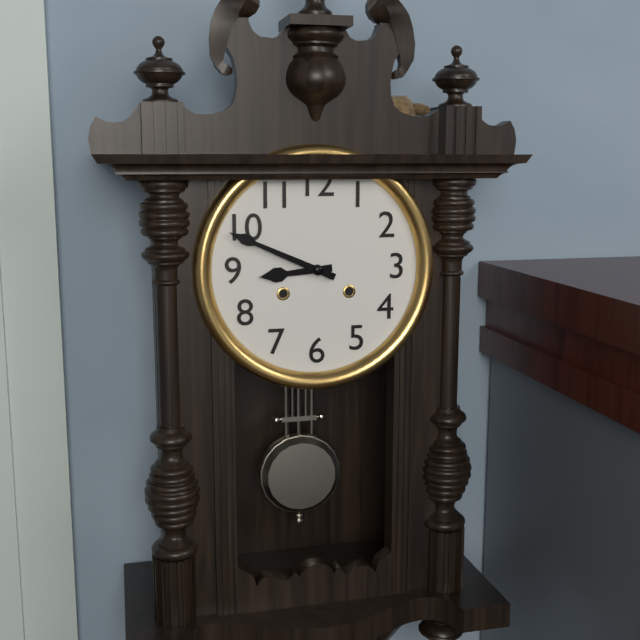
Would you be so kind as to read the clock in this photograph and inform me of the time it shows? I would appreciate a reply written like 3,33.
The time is 8,49
